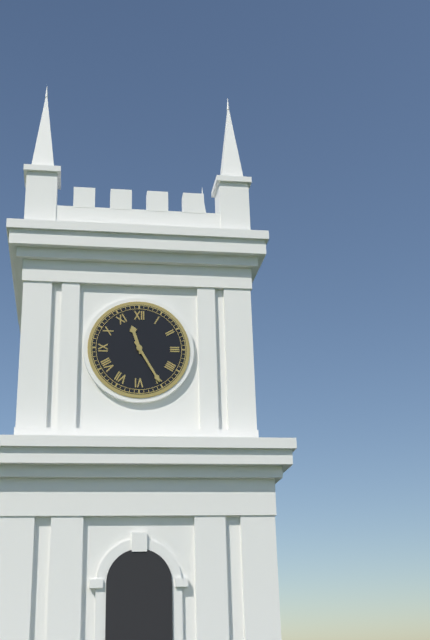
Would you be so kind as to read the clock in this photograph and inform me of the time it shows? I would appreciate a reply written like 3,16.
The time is 11,25
